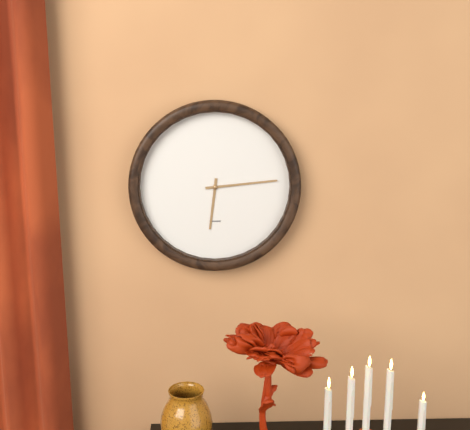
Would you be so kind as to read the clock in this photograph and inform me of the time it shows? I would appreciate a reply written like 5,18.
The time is 6,14
